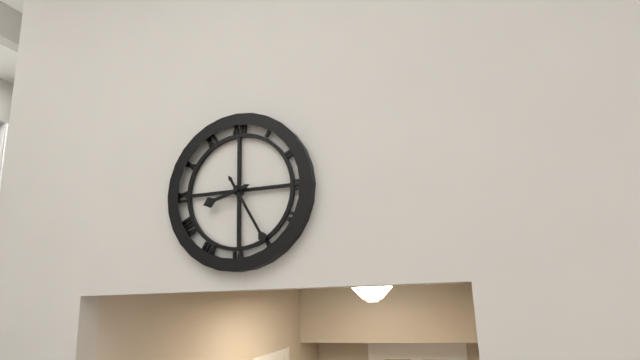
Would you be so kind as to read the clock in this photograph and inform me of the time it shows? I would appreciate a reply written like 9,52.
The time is 8,25
